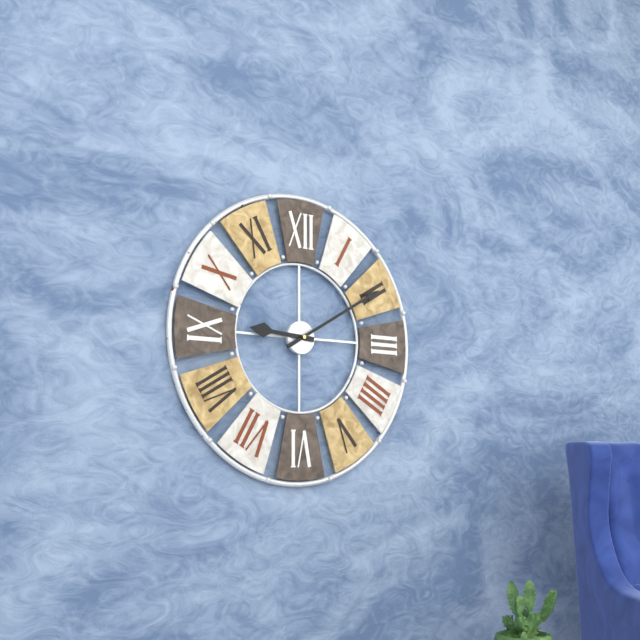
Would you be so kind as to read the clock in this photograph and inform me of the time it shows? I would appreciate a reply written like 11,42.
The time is 9,10
